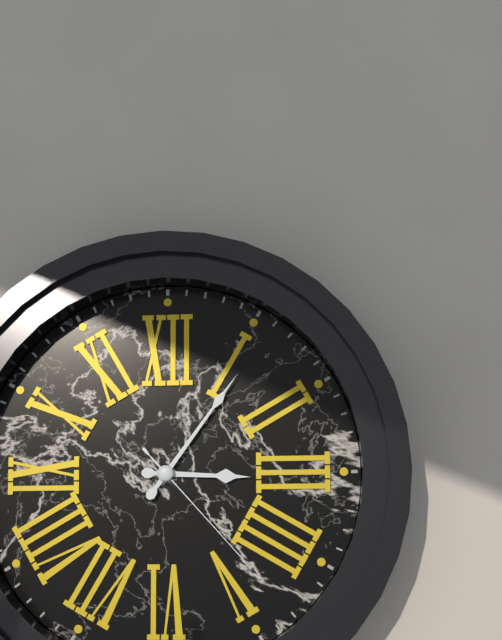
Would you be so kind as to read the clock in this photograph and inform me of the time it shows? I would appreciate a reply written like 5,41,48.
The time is 3,06,23
